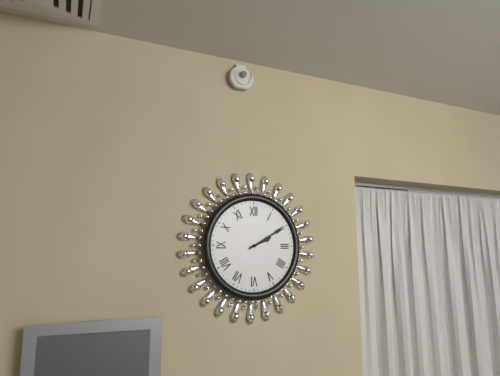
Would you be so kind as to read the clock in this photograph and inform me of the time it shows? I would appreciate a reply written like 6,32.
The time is 2,10
